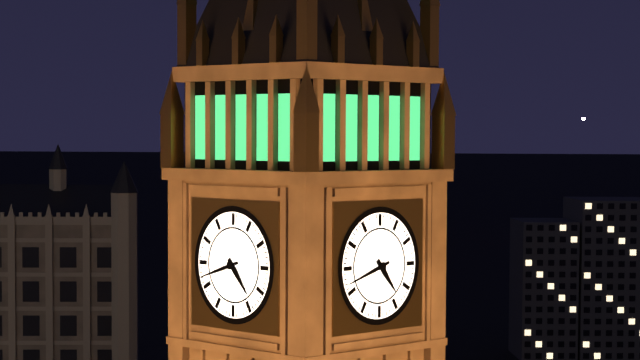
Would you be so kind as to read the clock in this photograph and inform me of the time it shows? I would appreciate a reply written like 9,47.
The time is 4,42
